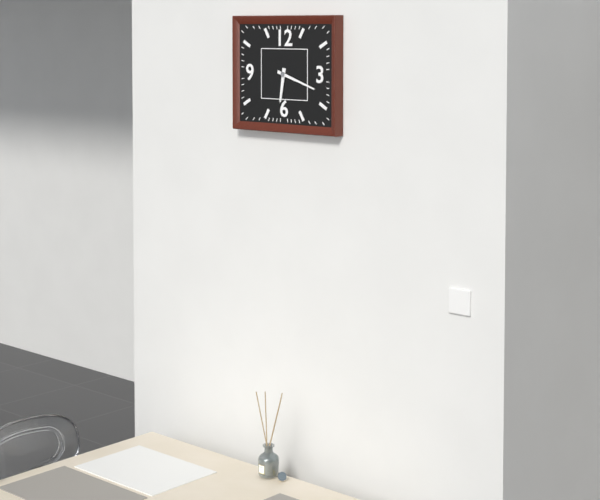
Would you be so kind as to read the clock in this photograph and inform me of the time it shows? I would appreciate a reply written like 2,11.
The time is 6,18
